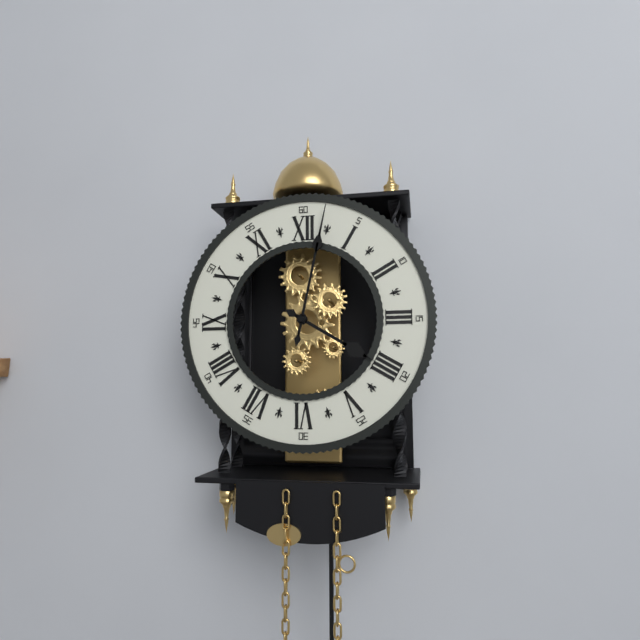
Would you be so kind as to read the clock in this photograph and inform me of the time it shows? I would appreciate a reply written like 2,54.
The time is 4,02
